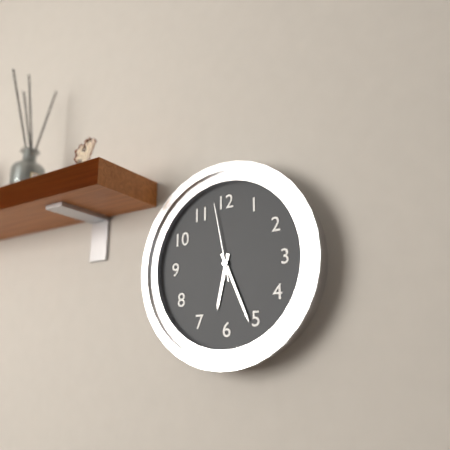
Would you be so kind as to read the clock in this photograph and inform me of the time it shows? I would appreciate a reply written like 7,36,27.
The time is 6,26,58
